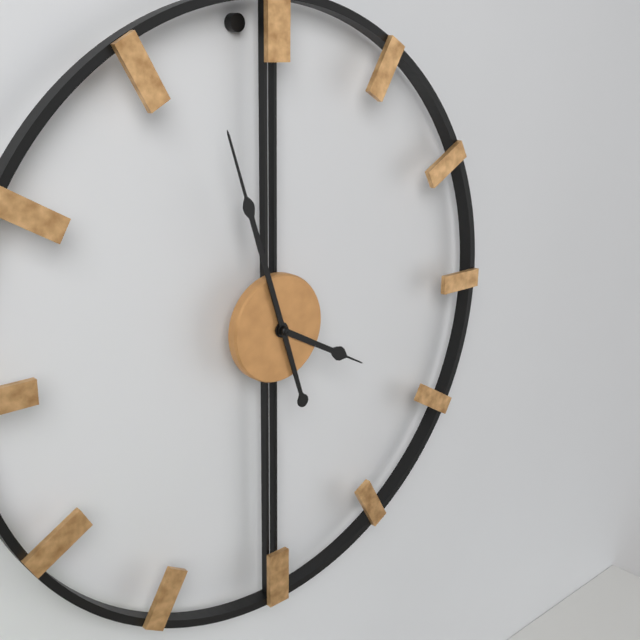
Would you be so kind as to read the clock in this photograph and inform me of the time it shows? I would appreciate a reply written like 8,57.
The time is 3,57
